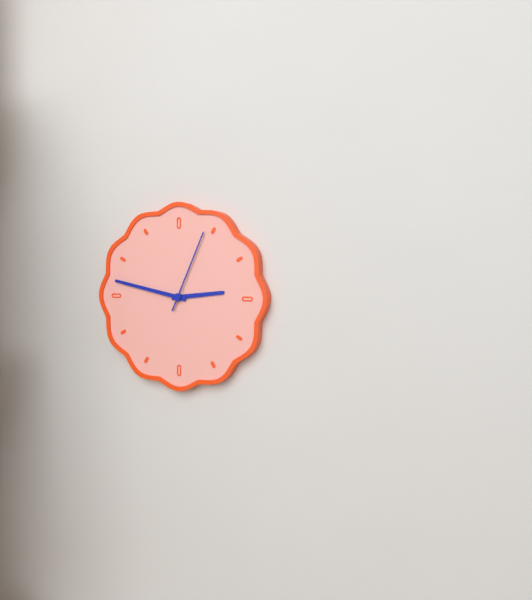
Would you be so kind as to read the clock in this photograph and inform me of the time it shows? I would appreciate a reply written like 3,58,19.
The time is 2,47,04
